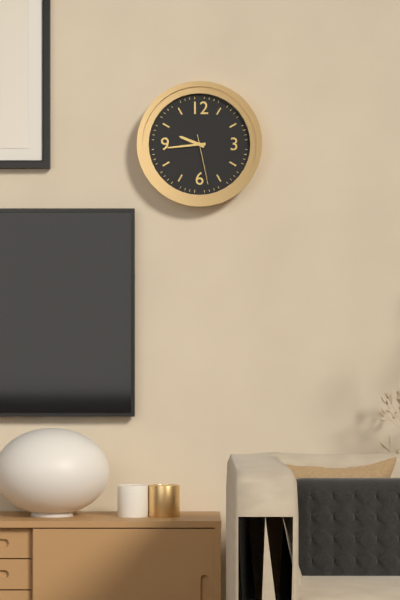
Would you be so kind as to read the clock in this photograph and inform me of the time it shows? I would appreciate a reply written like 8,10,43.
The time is 9,44,28
